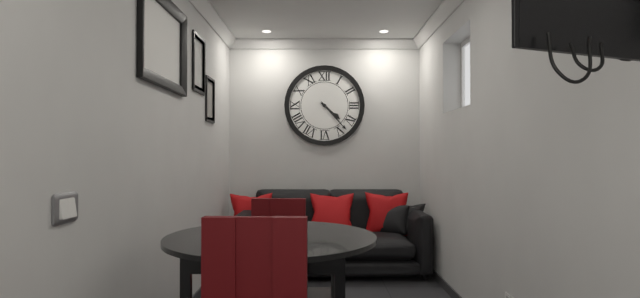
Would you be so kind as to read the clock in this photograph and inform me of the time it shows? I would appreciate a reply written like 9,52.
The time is 4,23
